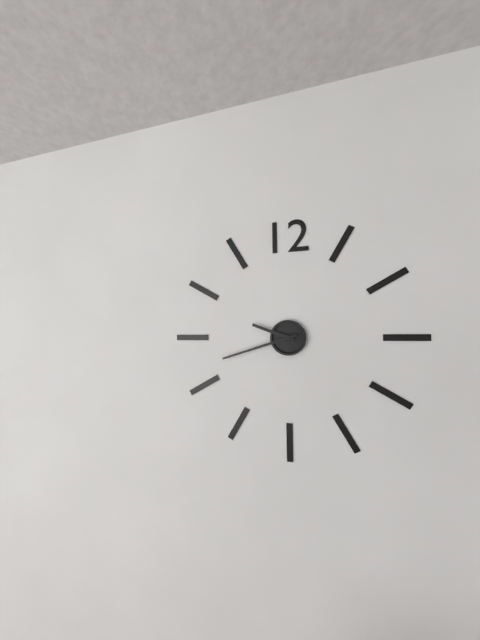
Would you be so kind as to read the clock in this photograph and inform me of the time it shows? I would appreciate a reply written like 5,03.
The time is 9,42
